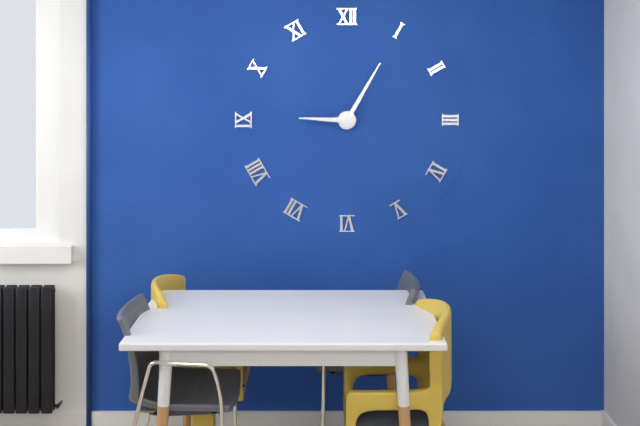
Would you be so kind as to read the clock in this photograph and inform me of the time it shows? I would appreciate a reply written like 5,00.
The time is 9,05
